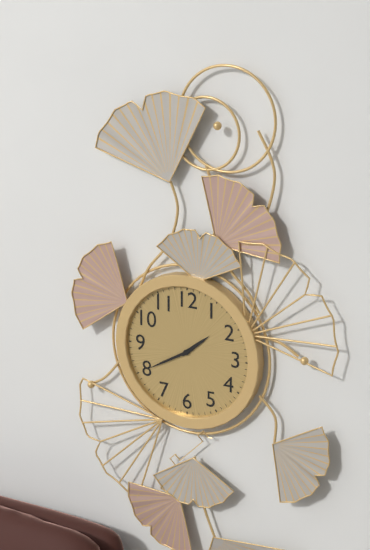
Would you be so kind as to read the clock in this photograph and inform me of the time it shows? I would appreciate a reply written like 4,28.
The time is 1,40
